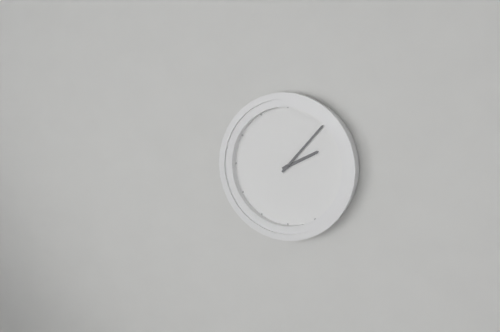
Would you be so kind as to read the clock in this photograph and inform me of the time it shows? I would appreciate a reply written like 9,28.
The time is 2,07
